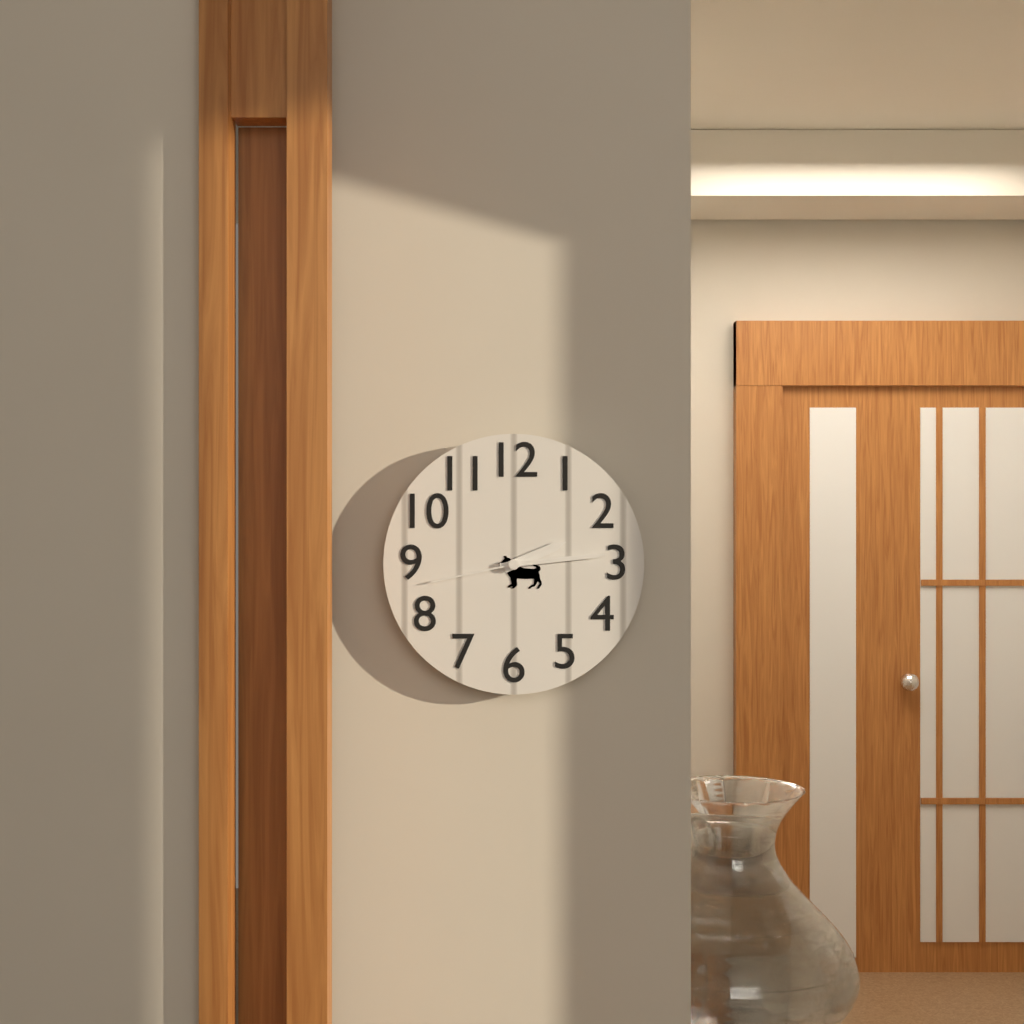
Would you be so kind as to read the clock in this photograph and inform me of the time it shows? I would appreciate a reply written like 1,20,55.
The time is 2,14,43
